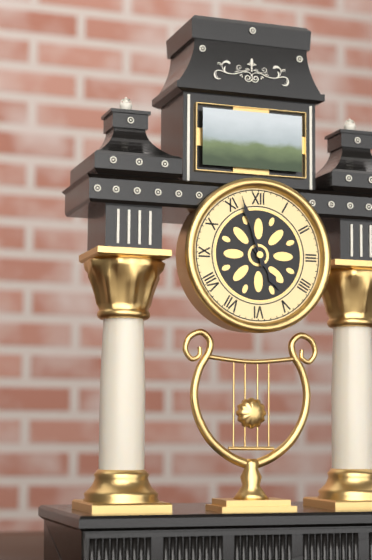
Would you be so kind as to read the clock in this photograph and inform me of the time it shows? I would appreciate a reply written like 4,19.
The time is 4,57
